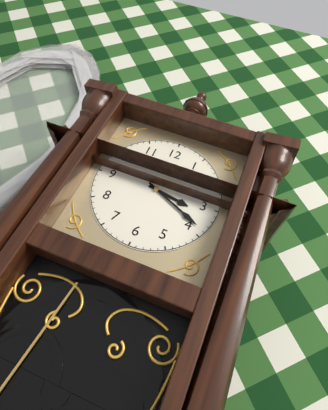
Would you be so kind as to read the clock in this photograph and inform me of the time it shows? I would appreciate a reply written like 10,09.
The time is 3,19
